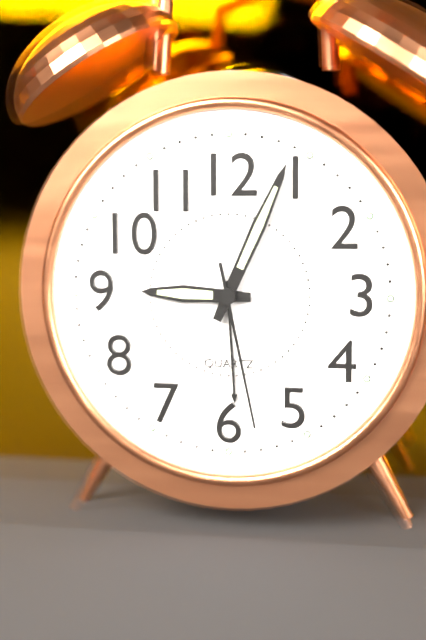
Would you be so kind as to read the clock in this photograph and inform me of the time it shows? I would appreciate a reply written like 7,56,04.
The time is 9,04,28
